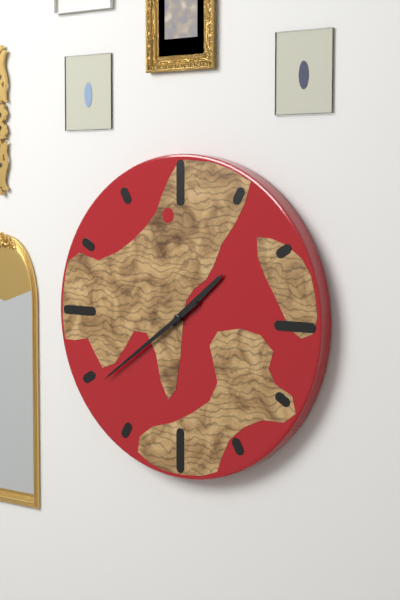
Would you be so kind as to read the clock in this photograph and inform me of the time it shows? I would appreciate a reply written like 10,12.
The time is 1,39
